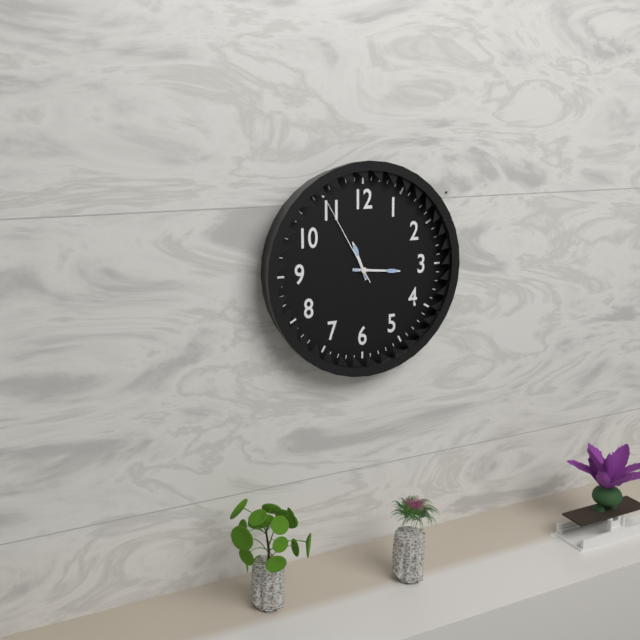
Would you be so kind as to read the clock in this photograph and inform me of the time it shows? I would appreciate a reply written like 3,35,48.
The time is 11,16,55
